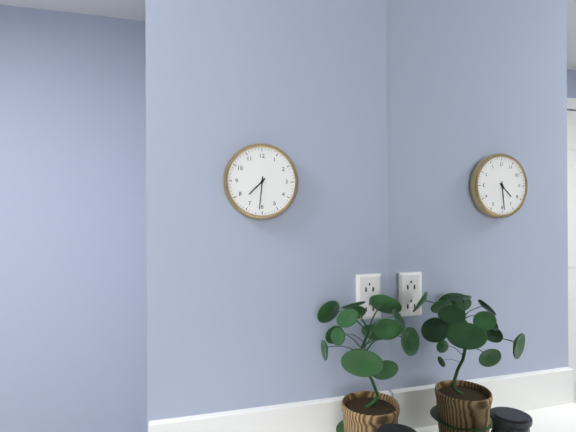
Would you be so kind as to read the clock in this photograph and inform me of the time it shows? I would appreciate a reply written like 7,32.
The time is 7,31
